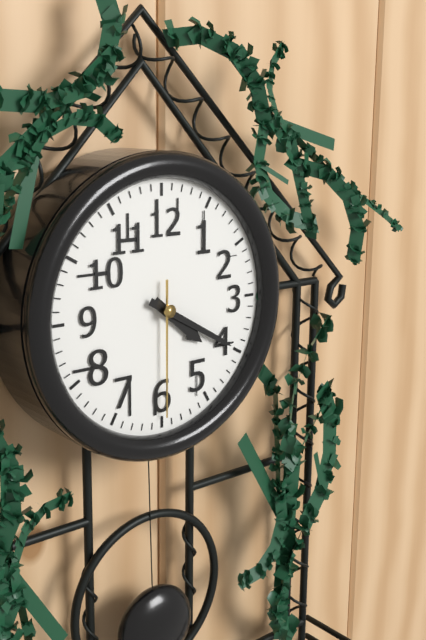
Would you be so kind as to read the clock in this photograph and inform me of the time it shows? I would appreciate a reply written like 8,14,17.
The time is 4,20,30
